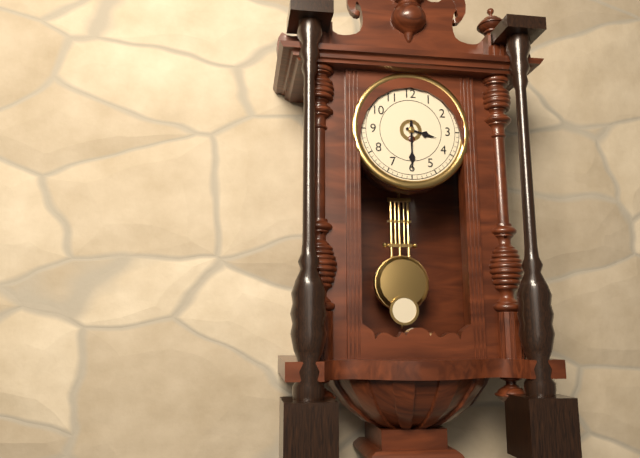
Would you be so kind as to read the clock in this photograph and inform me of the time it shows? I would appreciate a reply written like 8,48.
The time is 3,30
